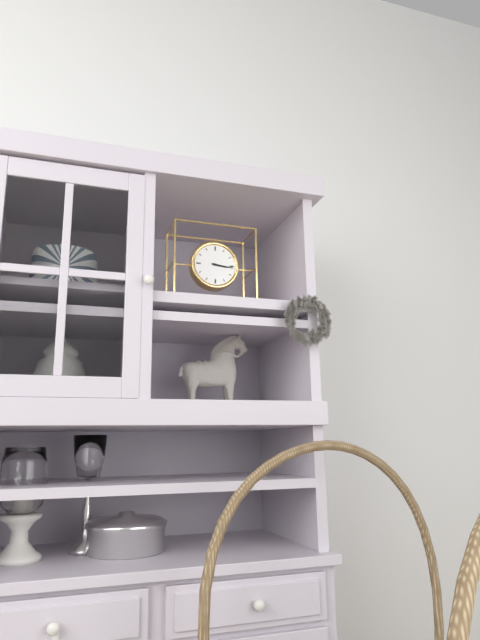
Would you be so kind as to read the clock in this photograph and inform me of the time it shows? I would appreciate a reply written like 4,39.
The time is 3,16
